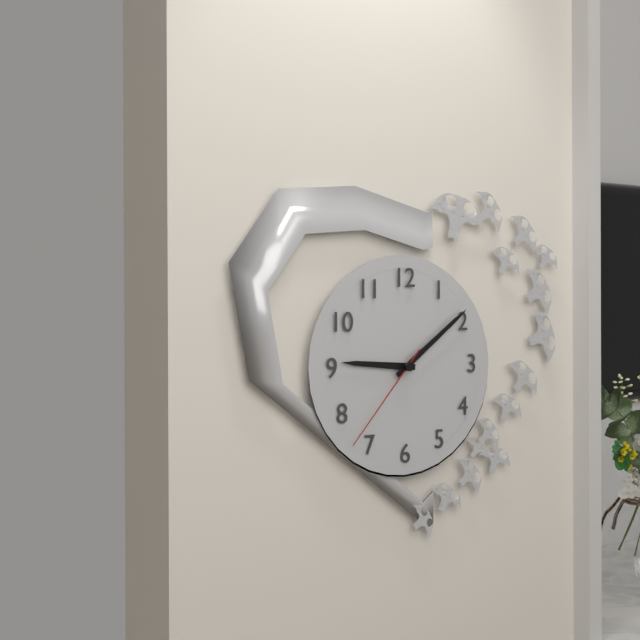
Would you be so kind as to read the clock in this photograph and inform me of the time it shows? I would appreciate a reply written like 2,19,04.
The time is 9,09,37
